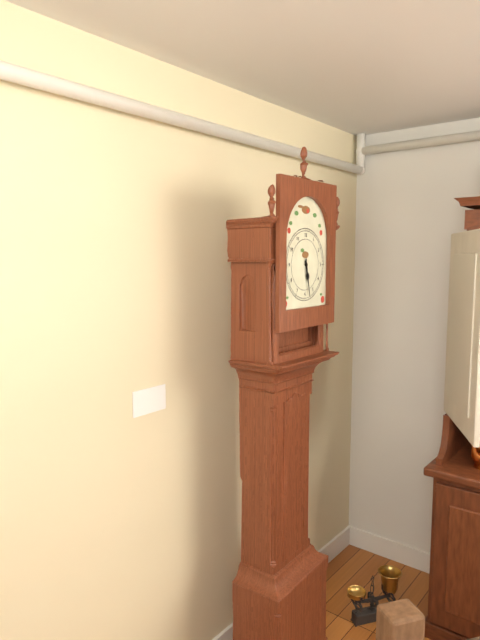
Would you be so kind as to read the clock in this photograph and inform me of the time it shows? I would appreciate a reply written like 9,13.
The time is 5,28
